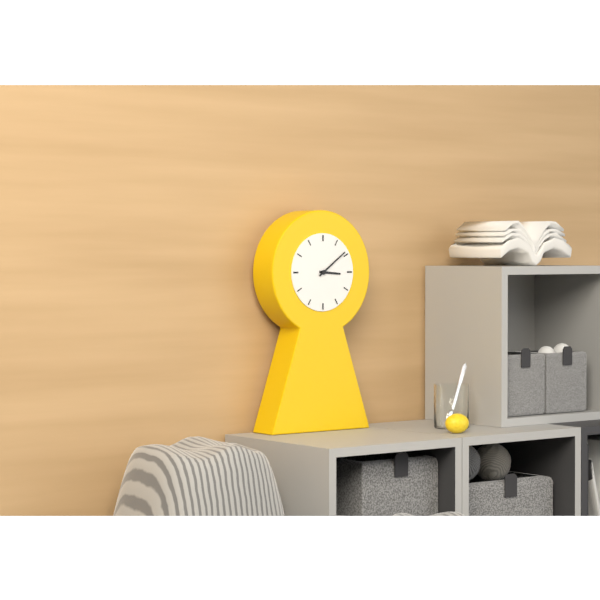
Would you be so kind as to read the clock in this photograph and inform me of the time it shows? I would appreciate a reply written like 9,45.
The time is 3,09
